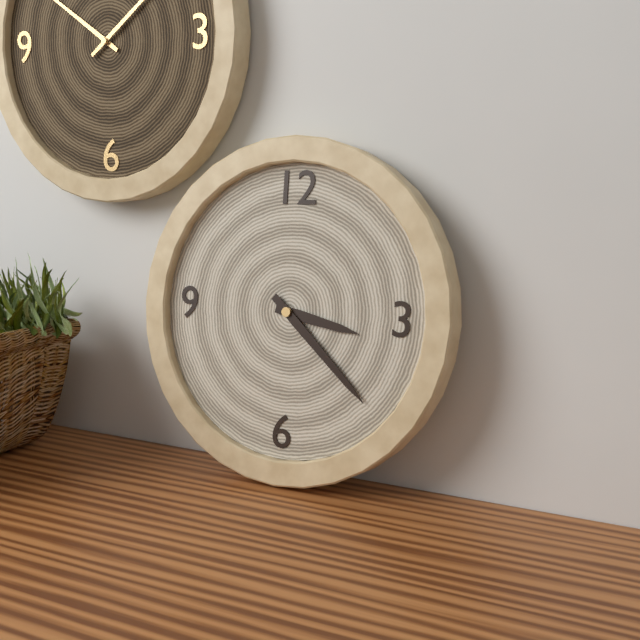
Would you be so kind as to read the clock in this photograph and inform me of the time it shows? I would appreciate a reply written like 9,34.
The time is 3,22
